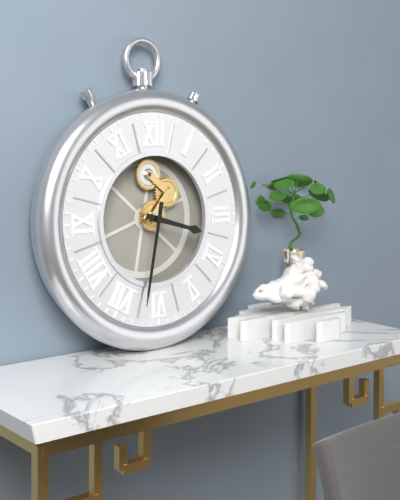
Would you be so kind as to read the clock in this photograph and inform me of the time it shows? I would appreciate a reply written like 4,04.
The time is 3,32
